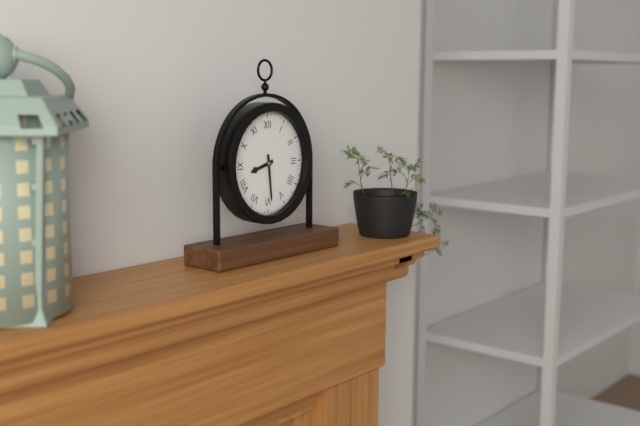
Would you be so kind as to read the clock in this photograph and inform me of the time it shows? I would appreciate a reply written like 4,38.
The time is 8,29
